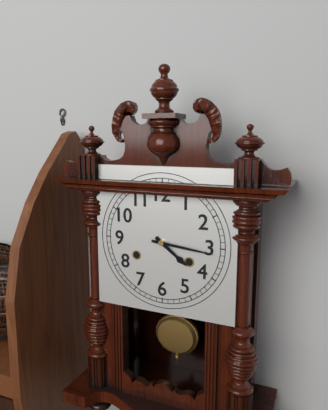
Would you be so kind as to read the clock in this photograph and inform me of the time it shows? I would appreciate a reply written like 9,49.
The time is 4,16
